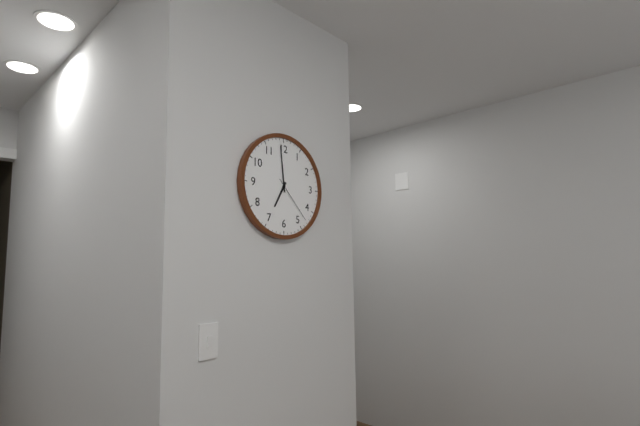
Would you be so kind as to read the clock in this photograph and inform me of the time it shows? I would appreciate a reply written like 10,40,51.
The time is 6,59,23
